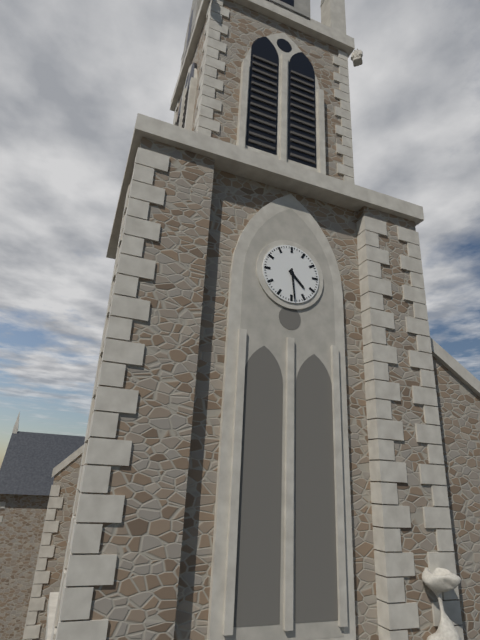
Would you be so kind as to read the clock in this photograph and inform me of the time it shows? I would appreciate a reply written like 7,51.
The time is 4,29
